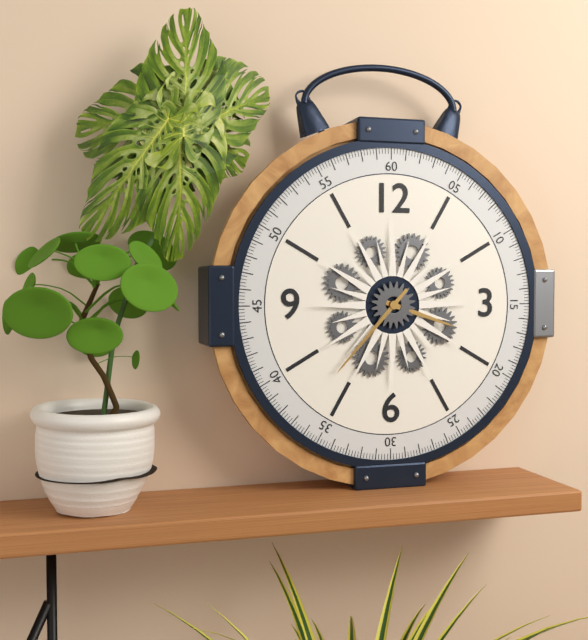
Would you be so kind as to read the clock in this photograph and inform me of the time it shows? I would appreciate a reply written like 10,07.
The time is 3,37
